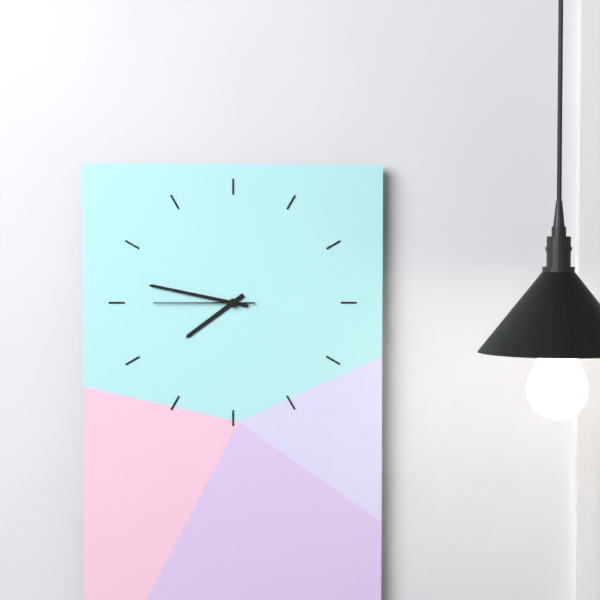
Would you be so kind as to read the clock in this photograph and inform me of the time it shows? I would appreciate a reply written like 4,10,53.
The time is 7,47,45
